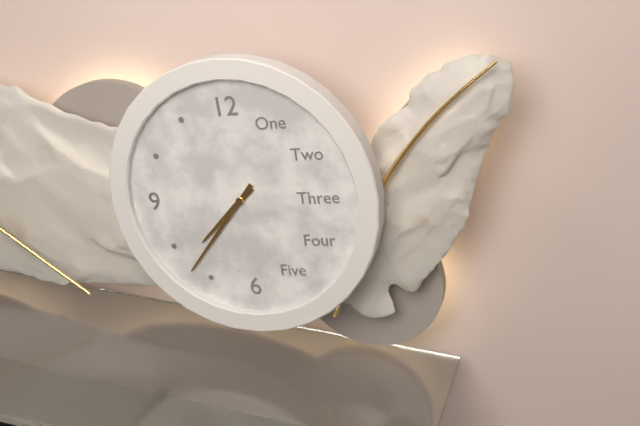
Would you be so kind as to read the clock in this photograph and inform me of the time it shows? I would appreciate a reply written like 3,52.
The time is 7,37
